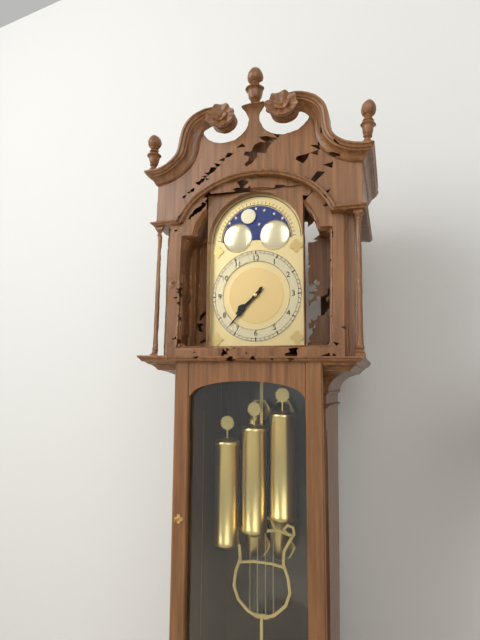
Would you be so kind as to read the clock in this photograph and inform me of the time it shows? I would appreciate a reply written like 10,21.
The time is 7,37
